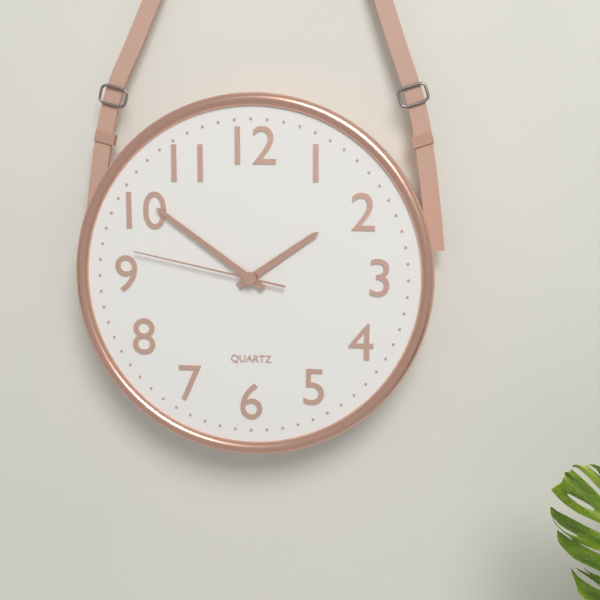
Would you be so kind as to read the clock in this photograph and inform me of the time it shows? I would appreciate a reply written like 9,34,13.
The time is 1,51,47
